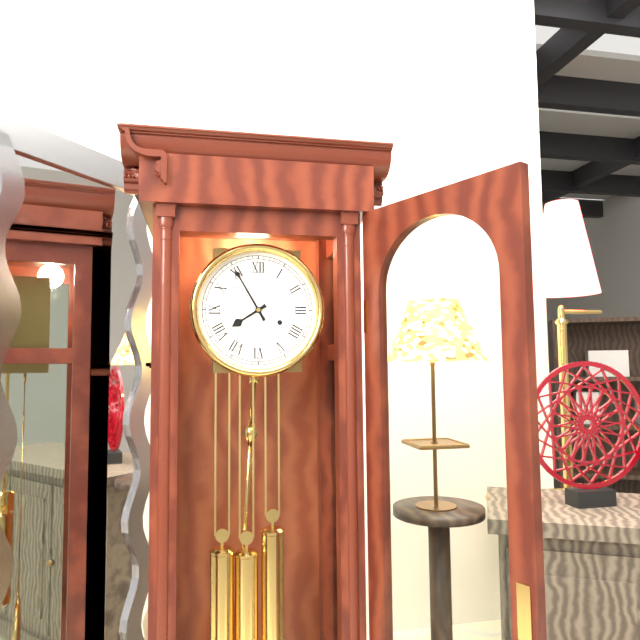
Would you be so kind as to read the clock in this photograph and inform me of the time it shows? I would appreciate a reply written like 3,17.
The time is 7,55
